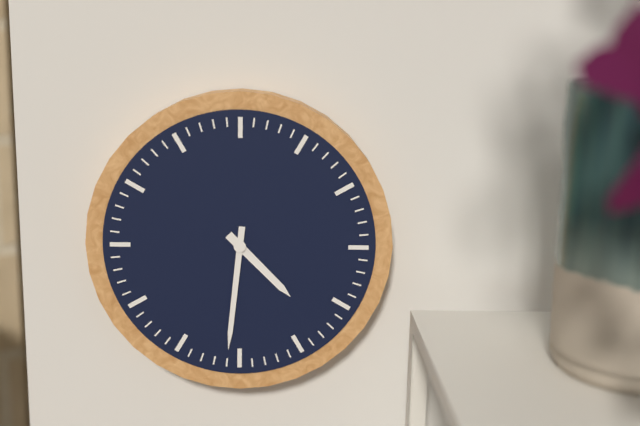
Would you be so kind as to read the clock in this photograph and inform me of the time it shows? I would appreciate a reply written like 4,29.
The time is 4,31
